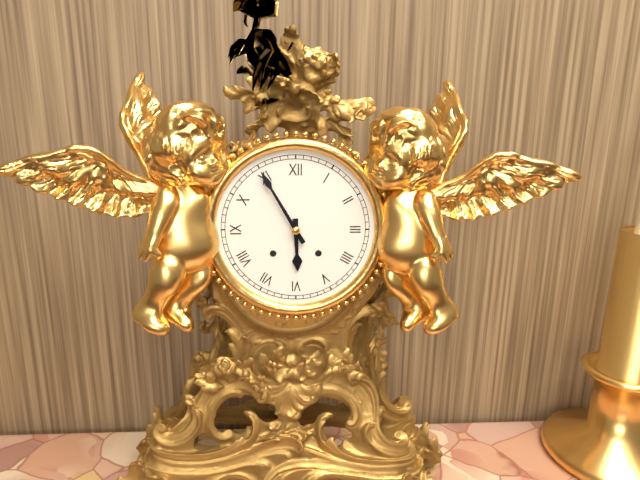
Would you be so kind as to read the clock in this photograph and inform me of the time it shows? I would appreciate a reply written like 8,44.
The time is 5,55
